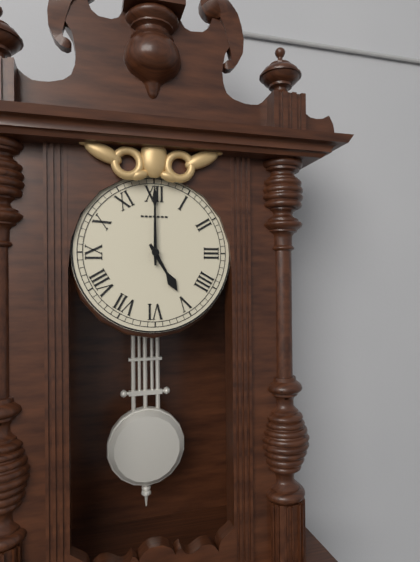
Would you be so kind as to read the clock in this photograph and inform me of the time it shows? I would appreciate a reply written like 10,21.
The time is 5,00
